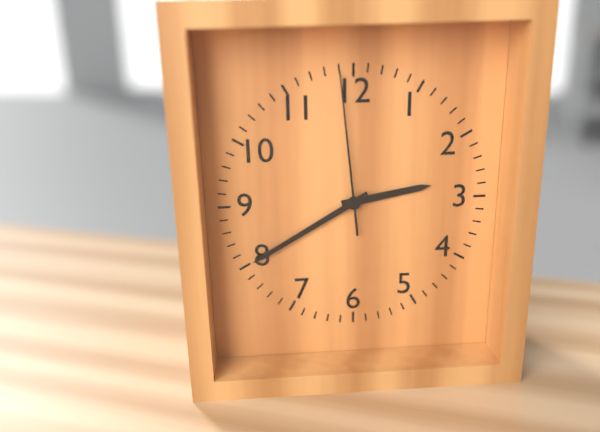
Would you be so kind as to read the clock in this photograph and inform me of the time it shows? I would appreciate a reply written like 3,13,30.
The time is 2,40,59
